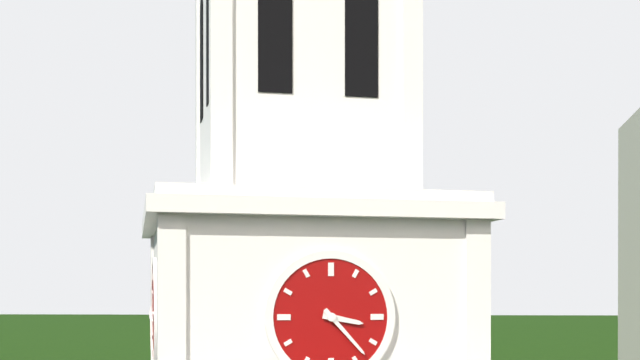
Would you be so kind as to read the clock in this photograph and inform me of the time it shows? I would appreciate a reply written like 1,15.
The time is 3,23
